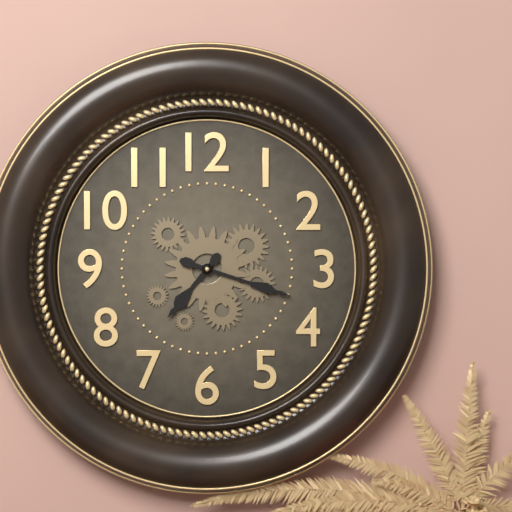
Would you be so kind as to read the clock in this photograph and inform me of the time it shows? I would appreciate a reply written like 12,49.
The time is 7,18
